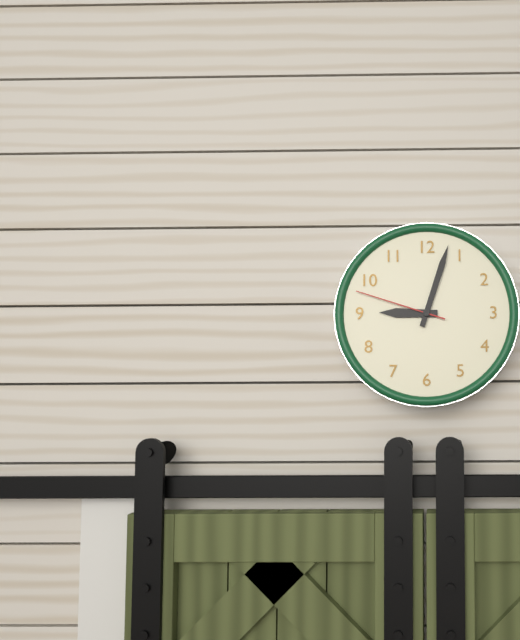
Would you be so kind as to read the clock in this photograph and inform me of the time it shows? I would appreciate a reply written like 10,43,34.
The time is 9,03,48
